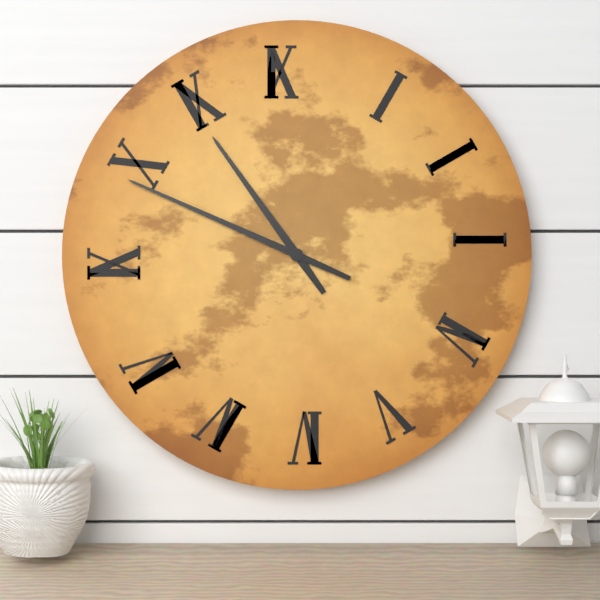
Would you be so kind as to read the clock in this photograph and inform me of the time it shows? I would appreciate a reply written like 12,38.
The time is 10,49
